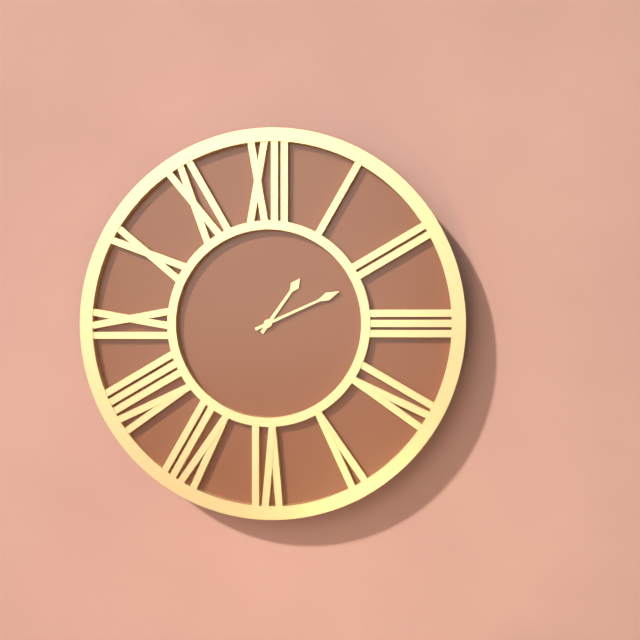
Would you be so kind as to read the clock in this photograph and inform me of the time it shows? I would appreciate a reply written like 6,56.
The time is 1,11
